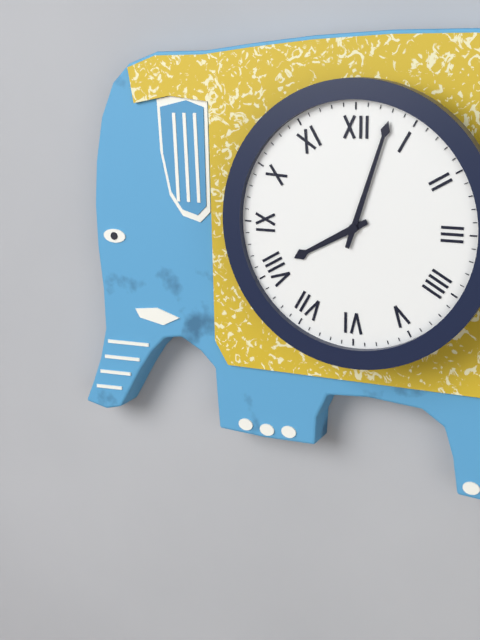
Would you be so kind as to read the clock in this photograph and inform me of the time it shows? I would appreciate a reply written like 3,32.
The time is 8,03
